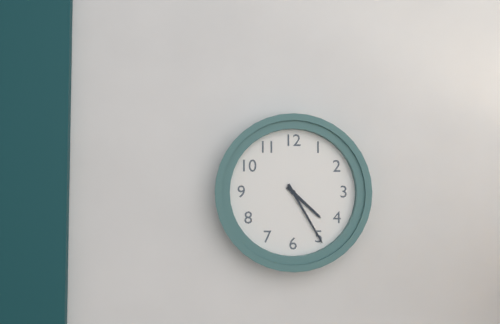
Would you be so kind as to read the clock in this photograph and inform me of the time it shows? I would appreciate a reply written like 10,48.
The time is 4,25
